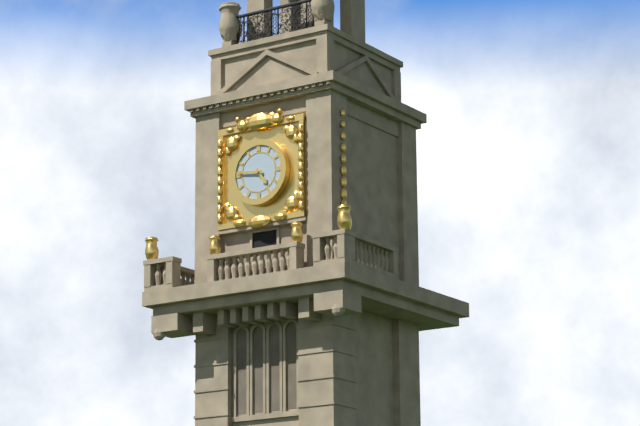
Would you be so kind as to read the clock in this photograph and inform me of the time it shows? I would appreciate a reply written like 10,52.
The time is 4,46
